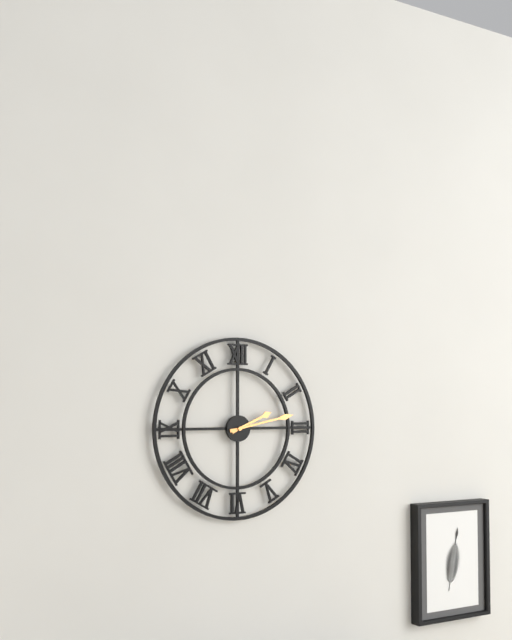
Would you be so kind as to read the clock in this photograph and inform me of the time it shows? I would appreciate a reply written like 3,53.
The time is 2,13
